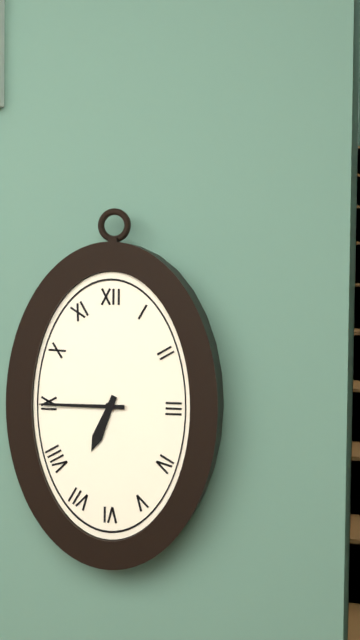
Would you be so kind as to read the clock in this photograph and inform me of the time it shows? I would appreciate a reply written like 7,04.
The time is 6,45
